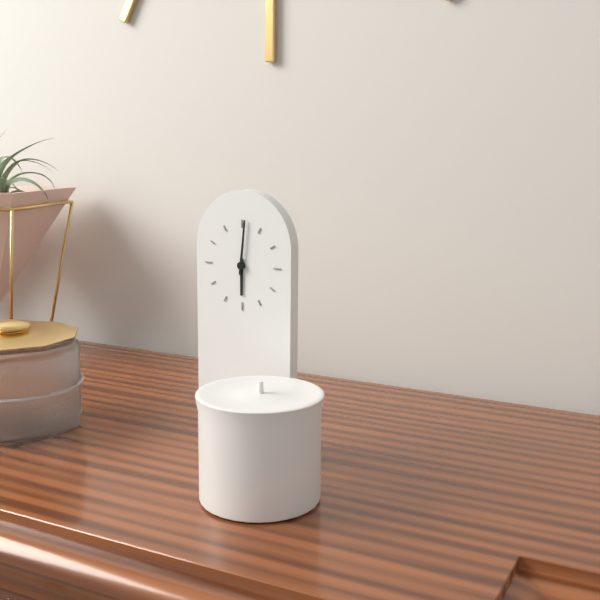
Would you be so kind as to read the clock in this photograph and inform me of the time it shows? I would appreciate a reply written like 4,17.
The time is 6,01
